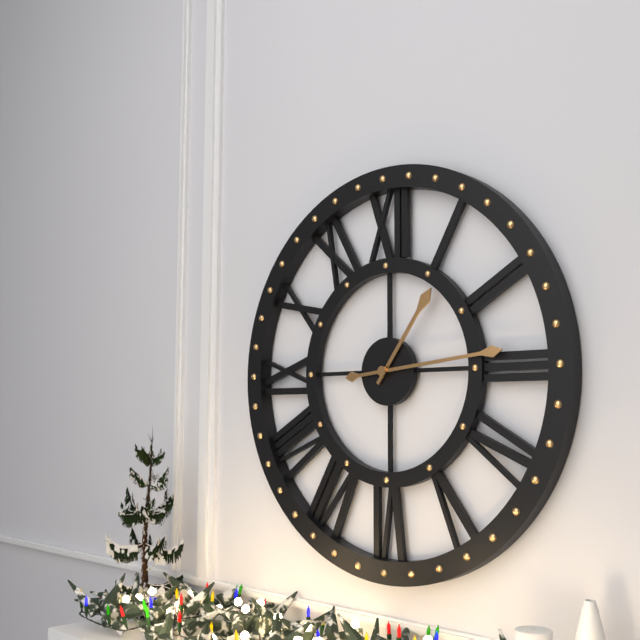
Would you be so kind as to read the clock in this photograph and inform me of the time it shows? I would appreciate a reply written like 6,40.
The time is 1,14
